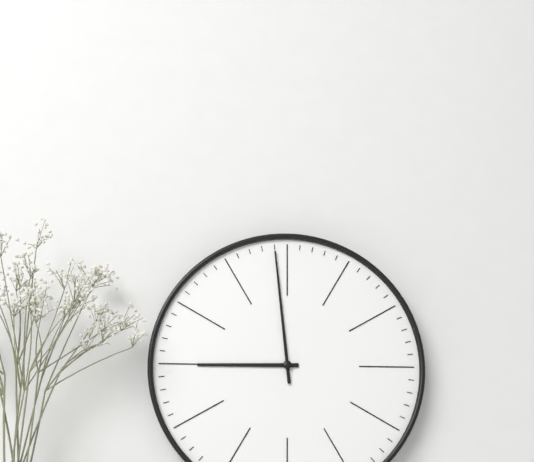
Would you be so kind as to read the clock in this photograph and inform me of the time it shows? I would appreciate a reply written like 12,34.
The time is 8,59
